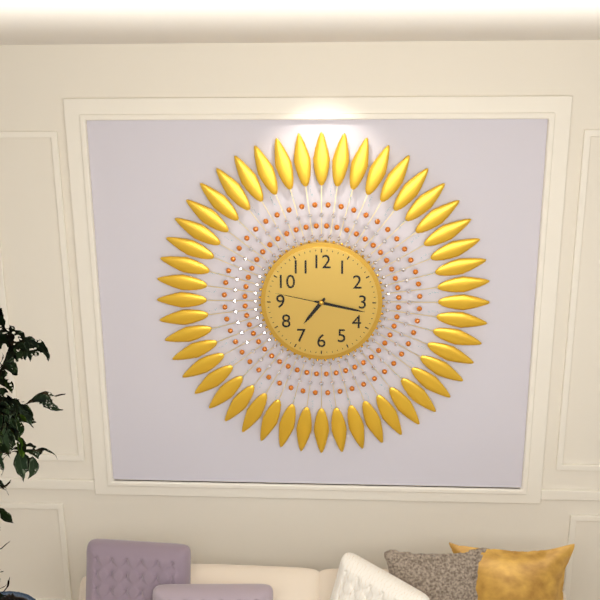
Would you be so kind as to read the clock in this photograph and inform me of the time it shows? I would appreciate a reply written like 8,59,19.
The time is 7,17,47
